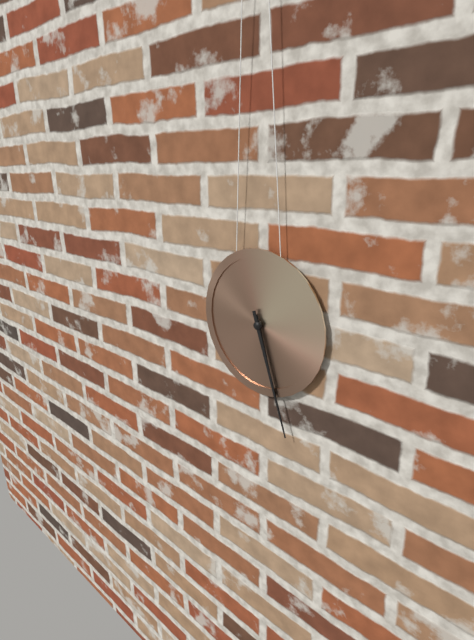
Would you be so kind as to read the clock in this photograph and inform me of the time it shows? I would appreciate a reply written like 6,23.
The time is 5,27
